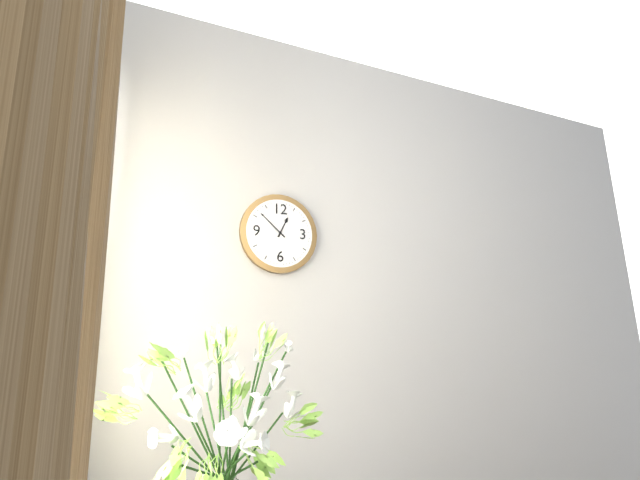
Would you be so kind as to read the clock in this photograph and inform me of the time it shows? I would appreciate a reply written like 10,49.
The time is 12,52
